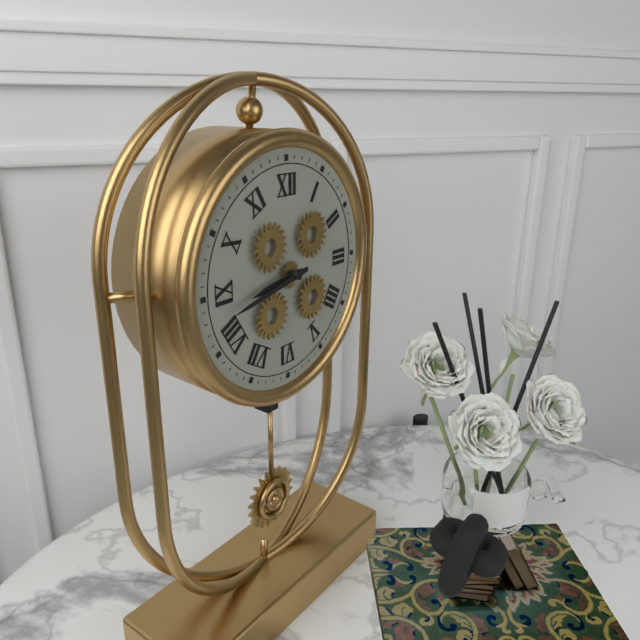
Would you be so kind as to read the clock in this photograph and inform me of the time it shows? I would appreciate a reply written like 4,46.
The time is 8,43
